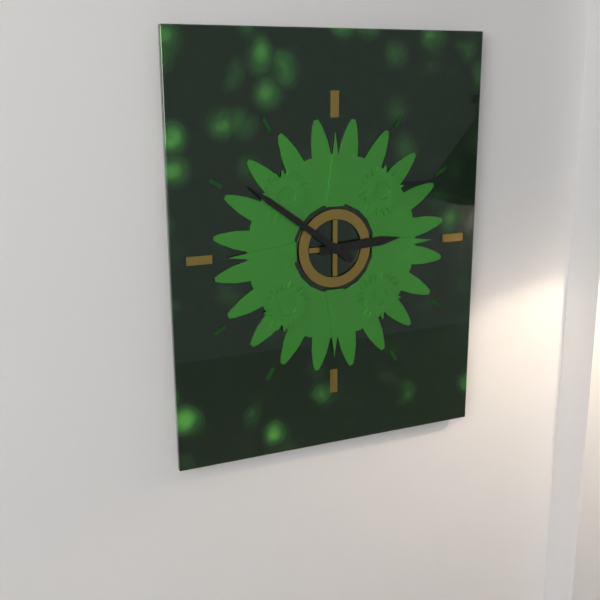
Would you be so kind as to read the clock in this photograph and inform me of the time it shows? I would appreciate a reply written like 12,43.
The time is 2,51
